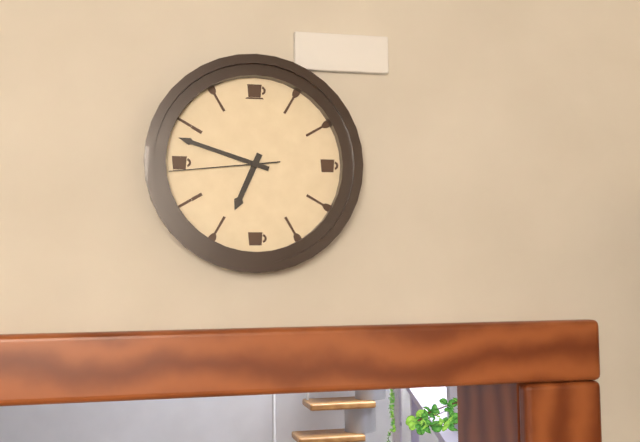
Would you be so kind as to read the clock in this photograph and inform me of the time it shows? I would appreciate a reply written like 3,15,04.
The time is 6,48,44
